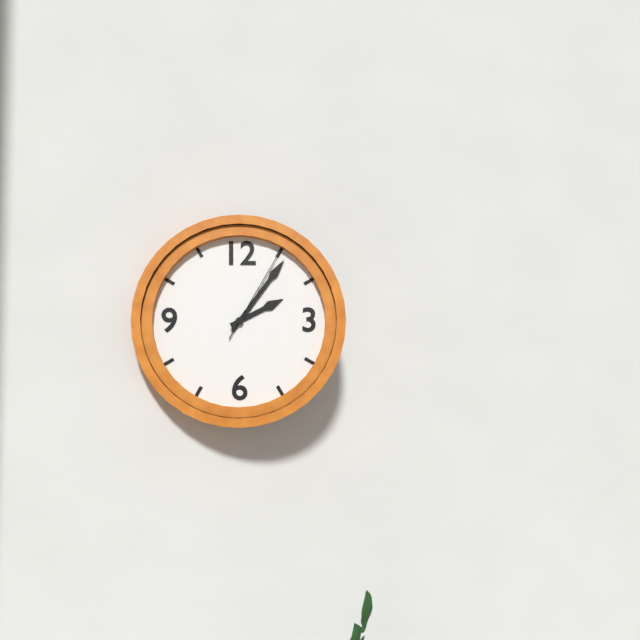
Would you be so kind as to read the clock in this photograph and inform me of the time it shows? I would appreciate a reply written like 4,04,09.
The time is 2,06,05
